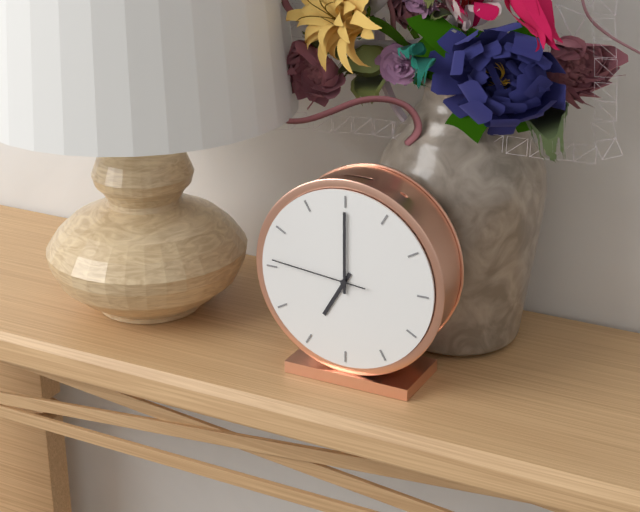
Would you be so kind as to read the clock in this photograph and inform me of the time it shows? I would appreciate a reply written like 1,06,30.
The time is 7,00,46
